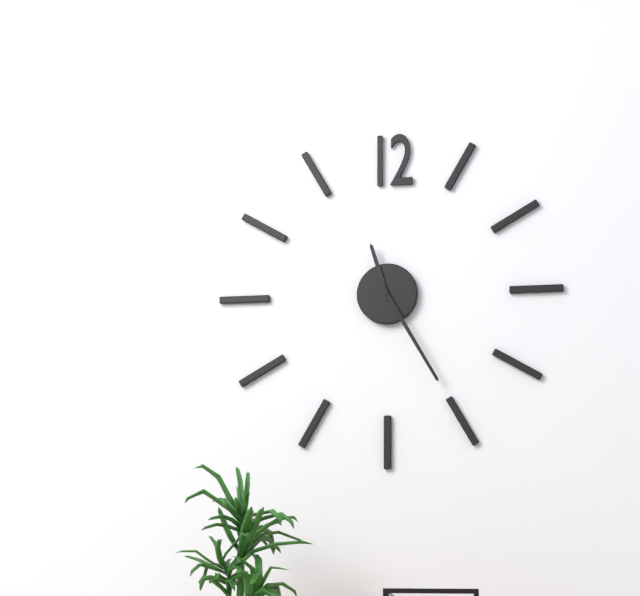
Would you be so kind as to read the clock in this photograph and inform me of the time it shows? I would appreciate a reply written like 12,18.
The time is 11,25
